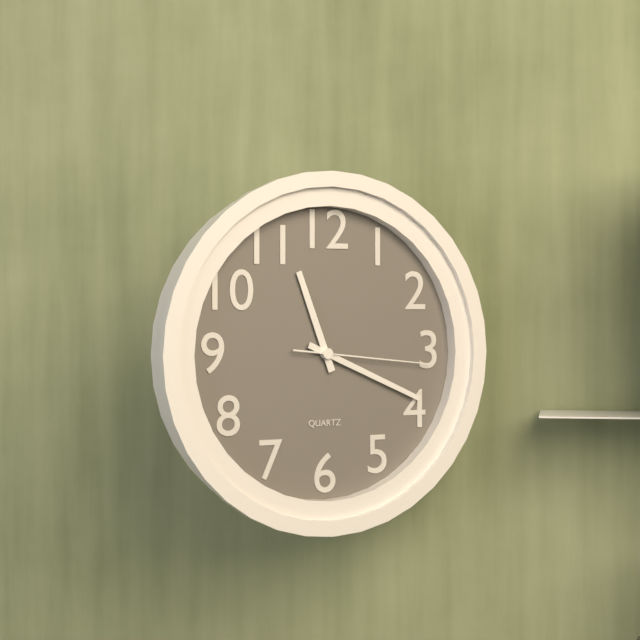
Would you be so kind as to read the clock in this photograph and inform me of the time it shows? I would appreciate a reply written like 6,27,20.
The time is 11,19,16
